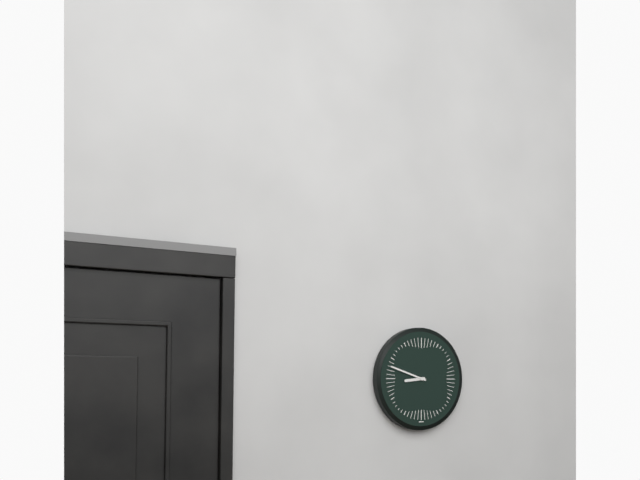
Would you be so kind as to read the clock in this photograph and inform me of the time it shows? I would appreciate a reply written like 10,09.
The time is 8,48
